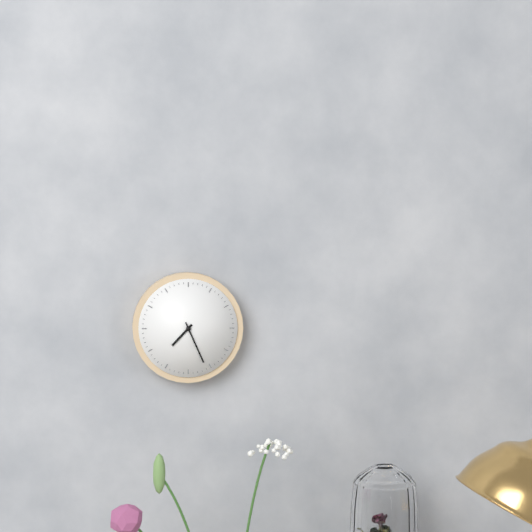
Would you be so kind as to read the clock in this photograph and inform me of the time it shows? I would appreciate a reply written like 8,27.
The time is 7,26
